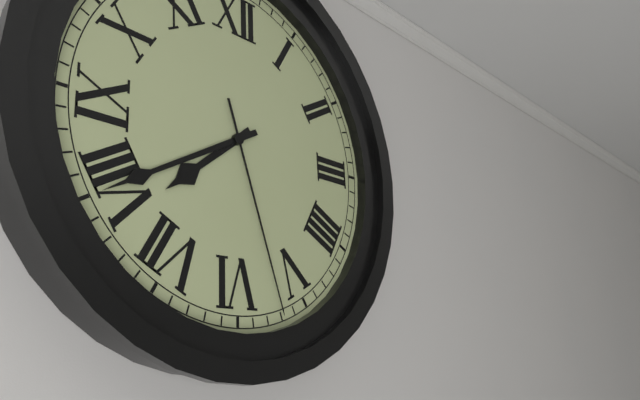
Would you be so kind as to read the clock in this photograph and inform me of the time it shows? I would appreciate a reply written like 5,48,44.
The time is 7,40,27
